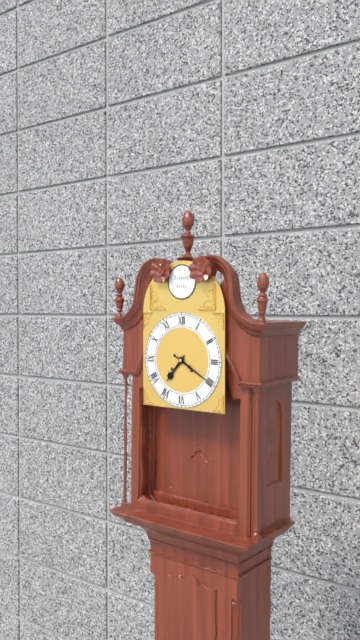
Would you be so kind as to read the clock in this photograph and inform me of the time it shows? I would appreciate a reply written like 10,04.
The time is 7,20
